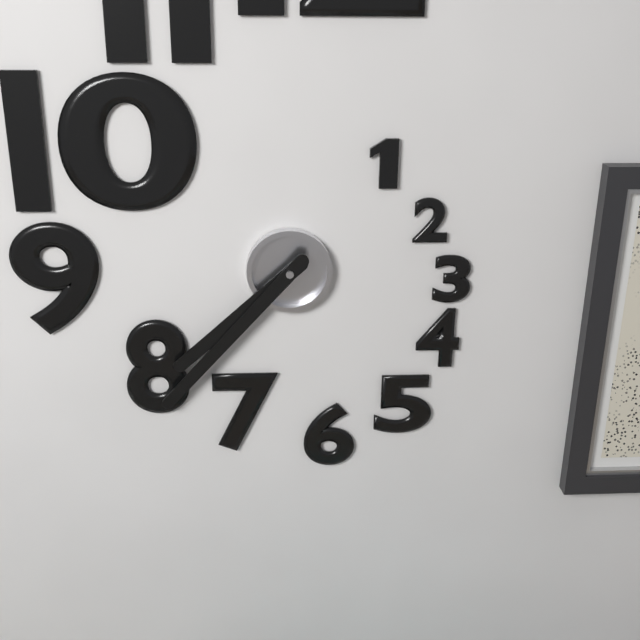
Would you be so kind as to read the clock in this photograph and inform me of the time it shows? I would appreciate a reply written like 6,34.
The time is 7,37
